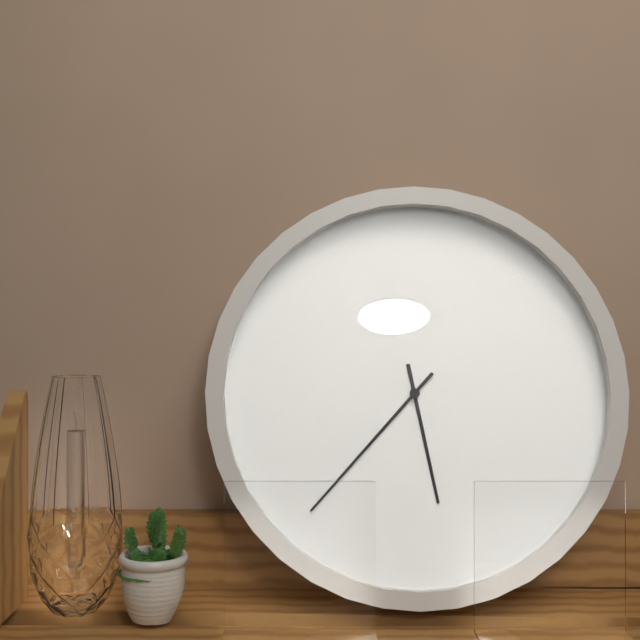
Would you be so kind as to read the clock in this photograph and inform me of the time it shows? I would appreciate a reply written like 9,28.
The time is 5,37
